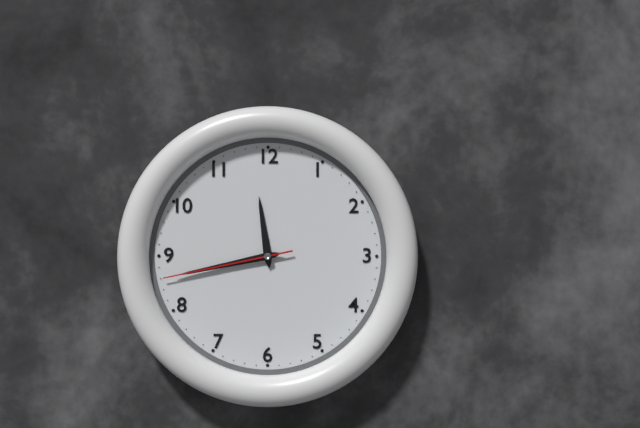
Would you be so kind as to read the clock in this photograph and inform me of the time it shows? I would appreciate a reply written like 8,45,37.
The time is 11,43,43
